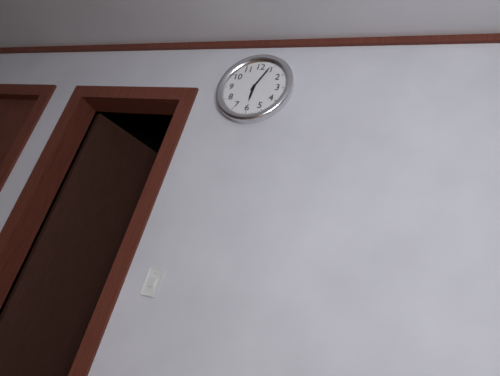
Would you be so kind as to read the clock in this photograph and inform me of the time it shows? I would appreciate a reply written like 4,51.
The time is 6,04
